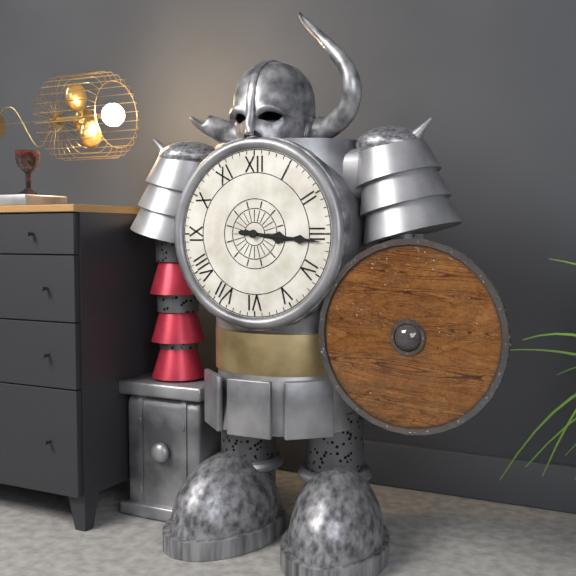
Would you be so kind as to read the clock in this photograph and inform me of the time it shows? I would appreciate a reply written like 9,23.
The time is 3,16
